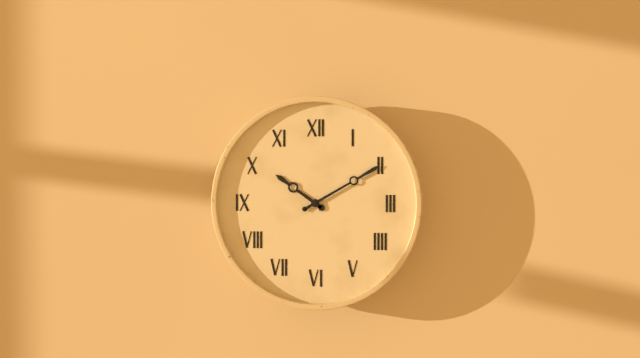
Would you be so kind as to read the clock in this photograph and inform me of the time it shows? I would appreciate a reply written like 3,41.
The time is 10,10
